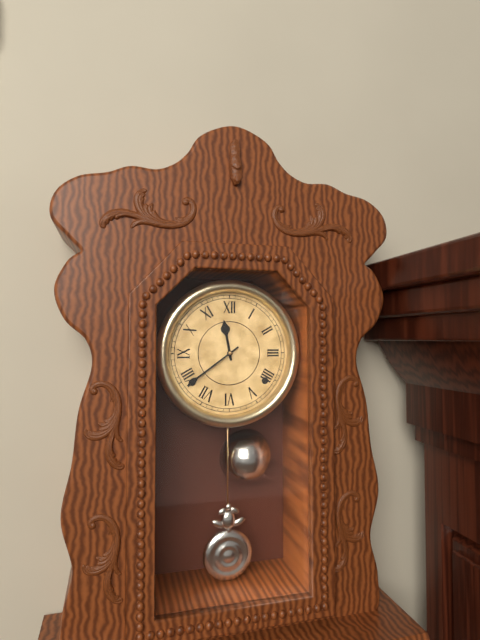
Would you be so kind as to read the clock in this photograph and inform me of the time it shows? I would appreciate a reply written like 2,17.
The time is 11,39
